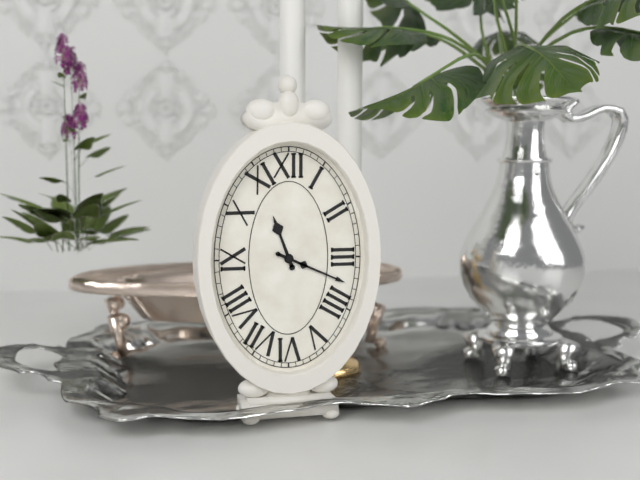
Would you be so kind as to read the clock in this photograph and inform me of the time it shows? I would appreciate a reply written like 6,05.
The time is 11,19
